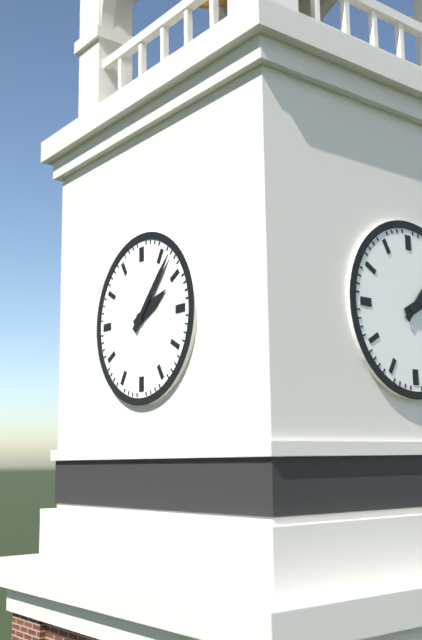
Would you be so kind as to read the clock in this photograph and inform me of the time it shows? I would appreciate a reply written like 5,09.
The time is 2,07
